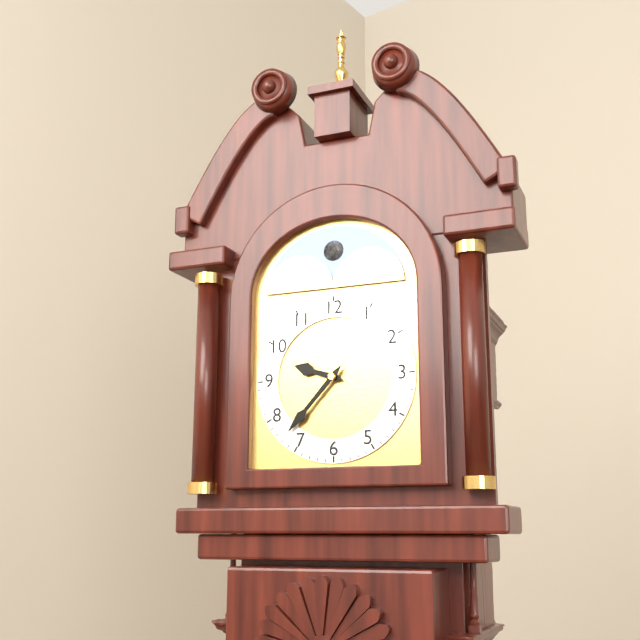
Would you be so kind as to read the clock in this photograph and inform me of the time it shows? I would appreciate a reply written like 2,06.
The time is 9,37
